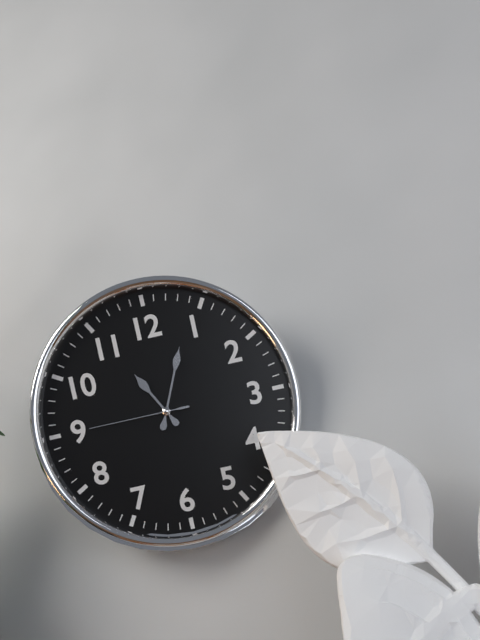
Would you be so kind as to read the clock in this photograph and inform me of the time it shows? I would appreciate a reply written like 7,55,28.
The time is 11,04,45
